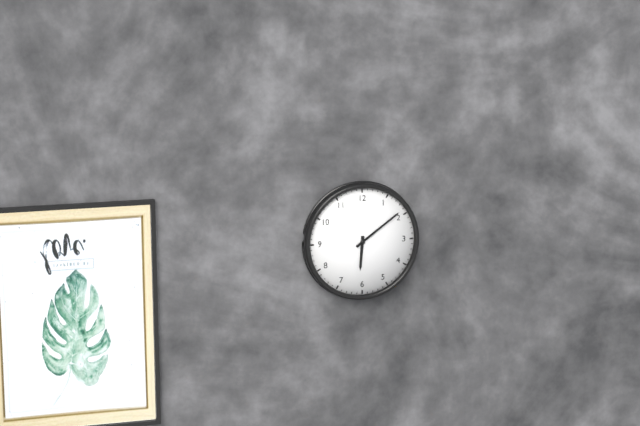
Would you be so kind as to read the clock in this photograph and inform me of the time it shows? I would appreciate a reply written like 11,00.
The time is 6,09
